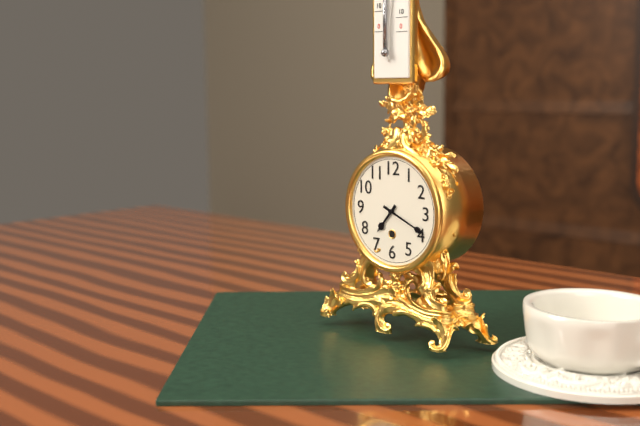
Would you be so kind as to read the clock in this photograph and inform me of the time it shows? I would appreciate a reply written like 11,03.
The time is 7,19
